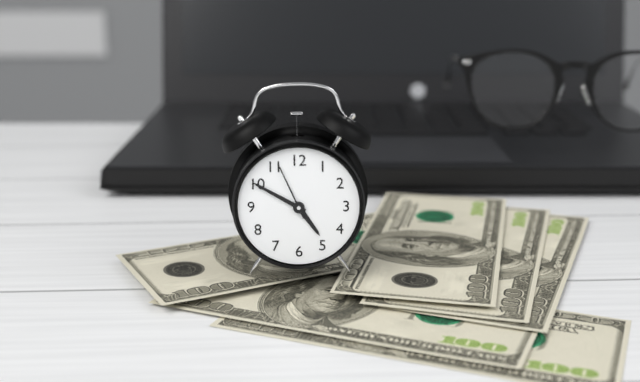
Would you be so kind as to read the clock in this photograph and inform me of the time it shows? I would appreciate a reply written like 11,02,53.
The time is 4,50,56
